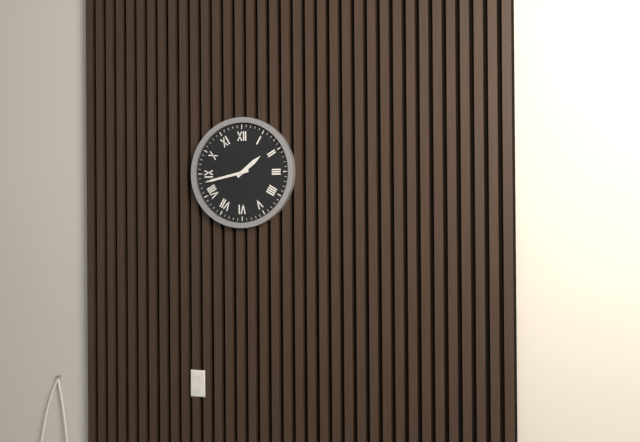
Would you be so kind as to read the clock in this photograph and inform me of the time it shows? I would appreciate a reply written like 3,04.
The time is 1,43
